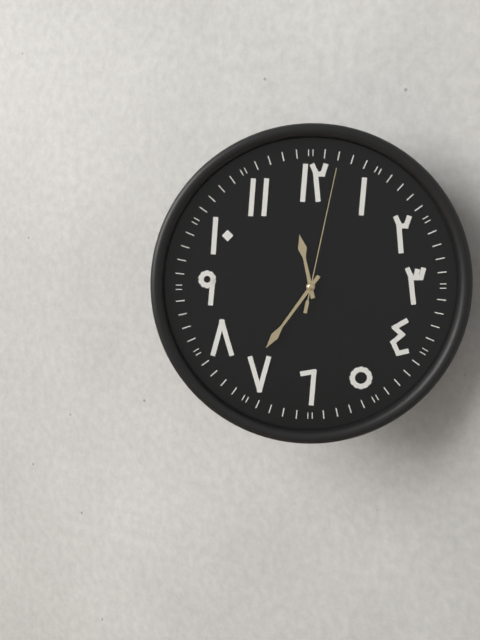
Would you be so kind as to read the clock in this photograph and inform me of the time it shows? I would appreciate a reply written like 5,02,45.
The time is 11,36,02
